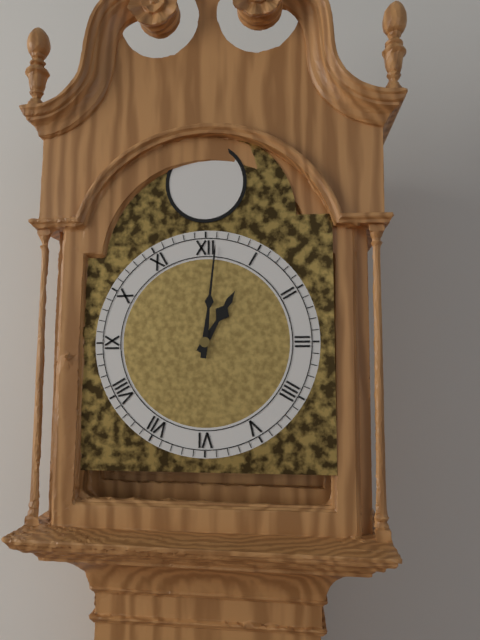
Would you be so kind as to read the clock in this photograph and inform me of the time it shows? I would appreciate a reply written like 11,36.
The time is 1,01
